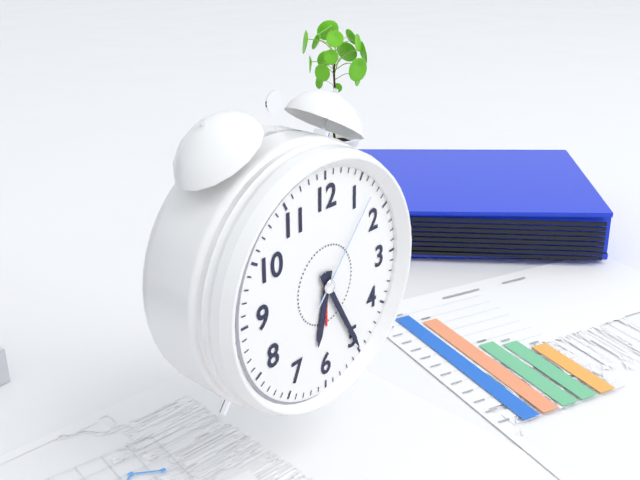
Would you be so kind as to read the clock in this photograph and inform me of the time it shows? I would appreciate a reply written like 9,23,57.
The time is 6,25,07
